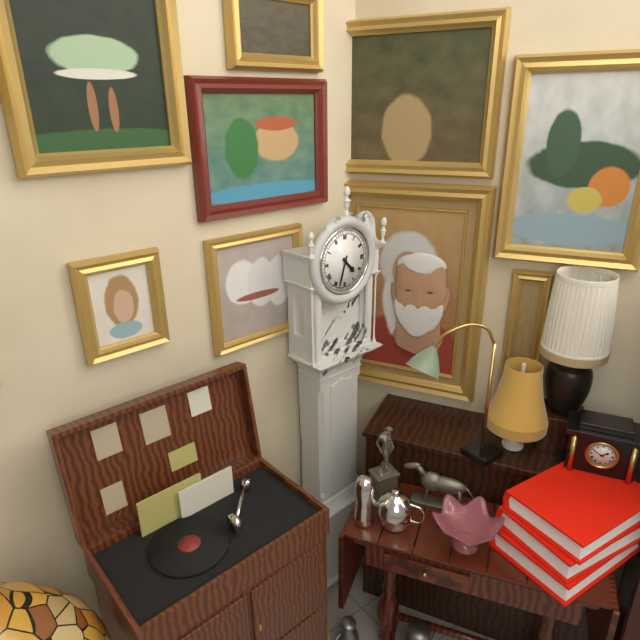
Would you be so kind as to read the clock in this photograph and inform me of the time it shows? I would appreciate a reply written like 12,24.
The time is 4,33
